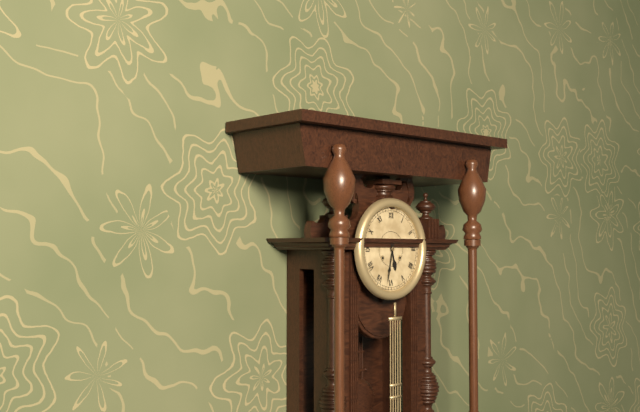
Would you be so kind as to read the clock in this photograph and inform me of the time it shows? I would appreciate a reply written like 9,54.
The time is 5,32
